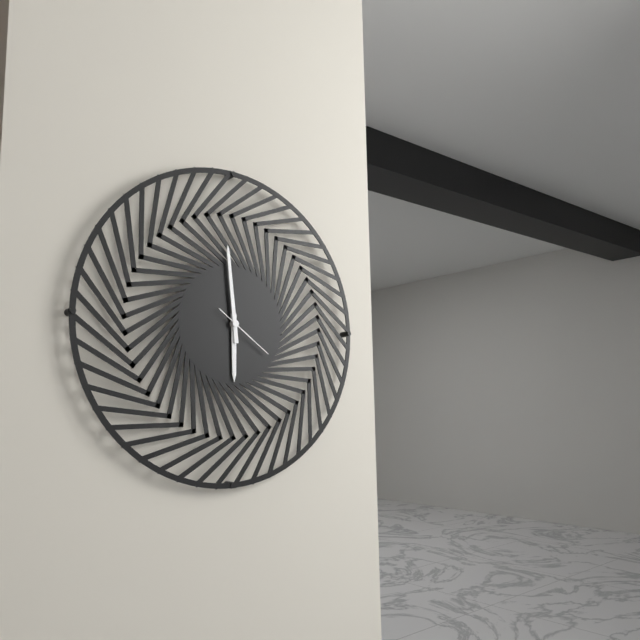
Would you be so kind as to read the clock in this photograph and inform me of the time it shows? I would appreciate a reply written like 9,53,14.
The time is 5,59,21
